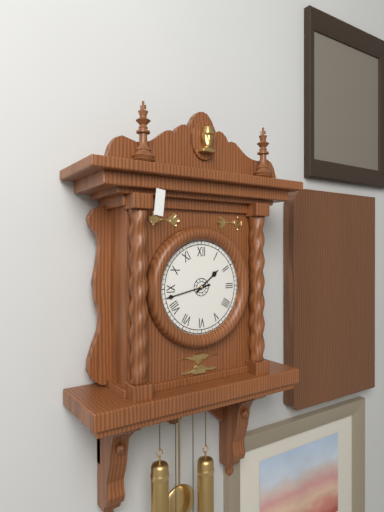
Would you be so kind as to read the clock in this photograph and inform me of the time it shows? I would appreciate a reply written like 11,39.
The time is 1,43
